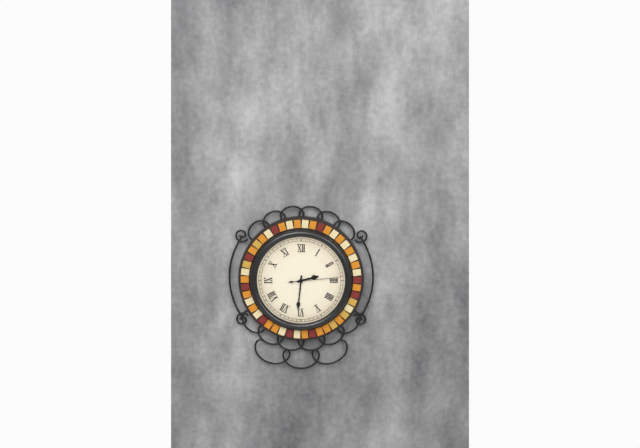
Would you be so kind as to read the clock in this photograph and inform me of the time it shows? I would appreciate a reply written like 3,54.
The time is 2,31
